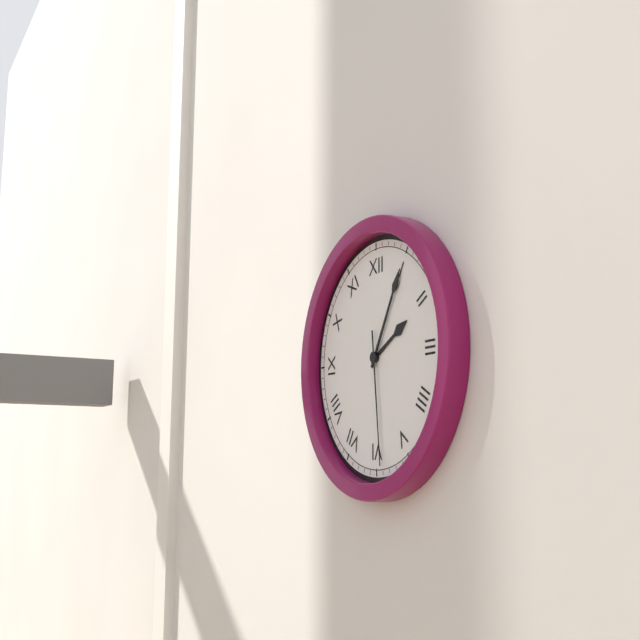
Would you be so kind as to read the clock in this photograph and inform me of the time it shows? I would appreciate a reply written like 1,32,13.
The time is 2,05,29
